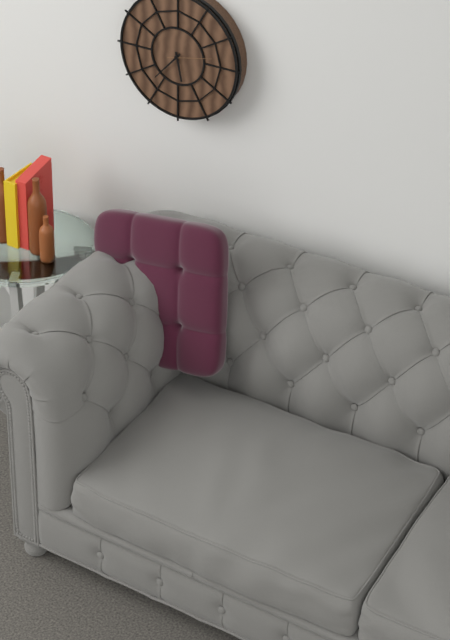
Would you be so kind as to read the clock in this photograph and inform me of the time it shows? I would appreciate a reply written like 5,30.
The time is 5,37
